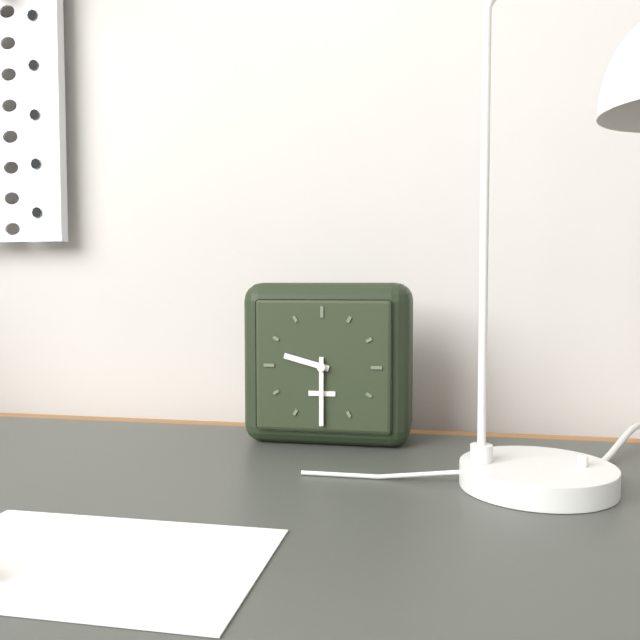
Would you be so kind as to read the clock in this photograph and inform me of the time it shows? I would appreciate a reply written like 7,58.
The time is 9,30
